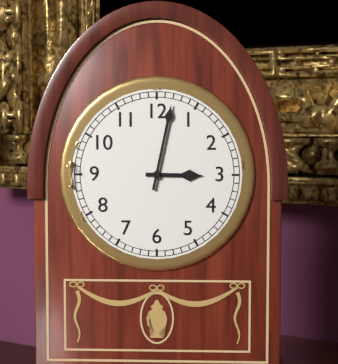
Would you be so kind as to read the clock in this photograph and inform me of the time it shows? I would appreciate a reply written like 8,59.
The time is 3,02
